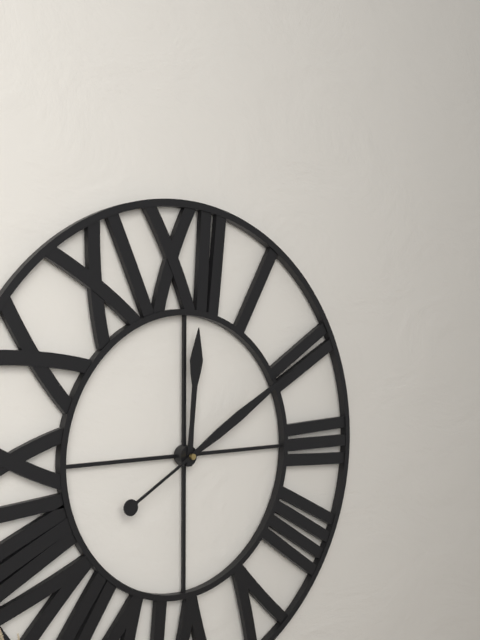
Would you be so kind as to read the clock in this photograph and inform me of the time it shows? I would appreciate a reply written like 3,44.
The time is 12,10
